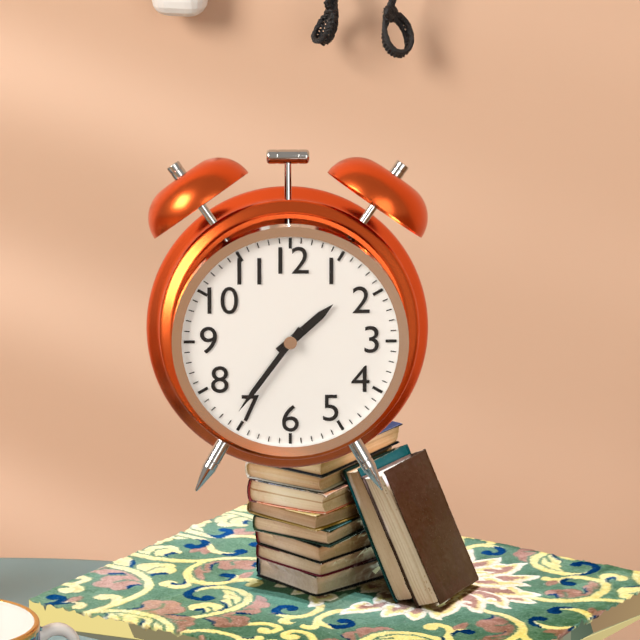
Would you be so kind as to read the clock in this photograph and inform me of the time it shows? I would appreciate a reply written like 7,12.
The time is 1,36
